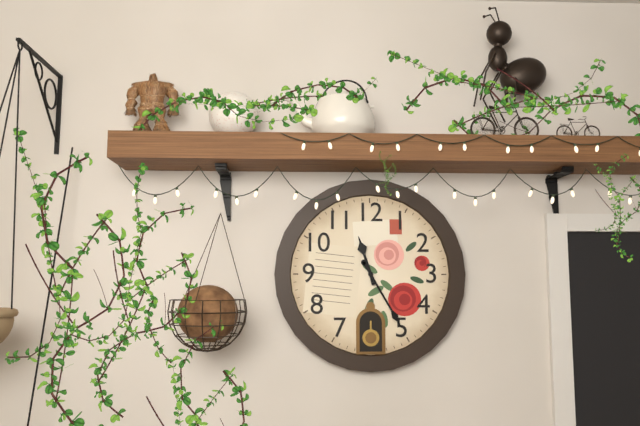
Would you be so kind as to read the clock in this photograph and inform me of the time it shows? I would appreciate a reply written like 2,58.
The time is 11,25
